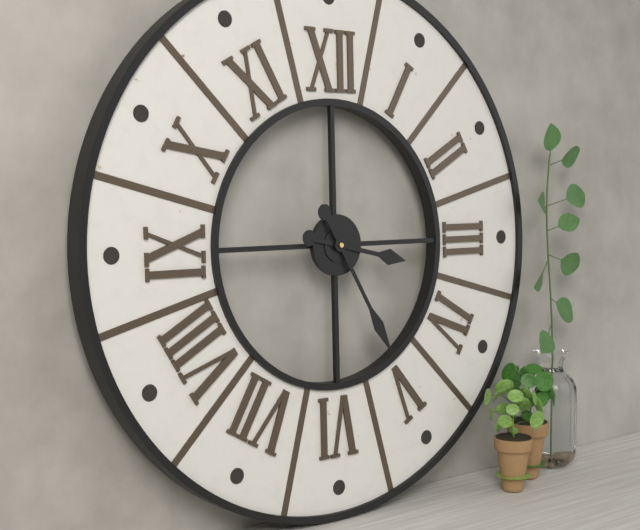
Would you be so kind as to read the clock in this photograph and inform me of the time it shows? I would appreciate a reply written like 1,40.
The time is 3,25
